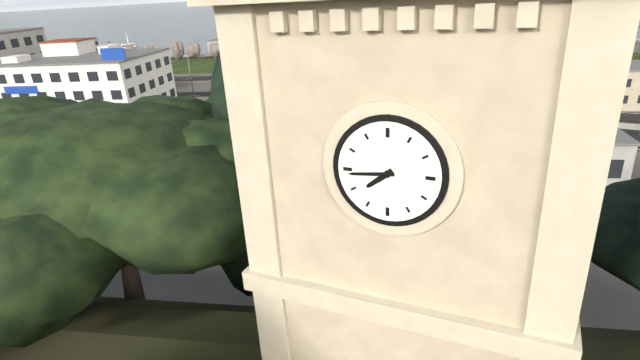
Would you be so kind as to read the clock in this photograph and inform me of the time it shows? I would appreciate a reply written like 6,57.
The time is 7,44
